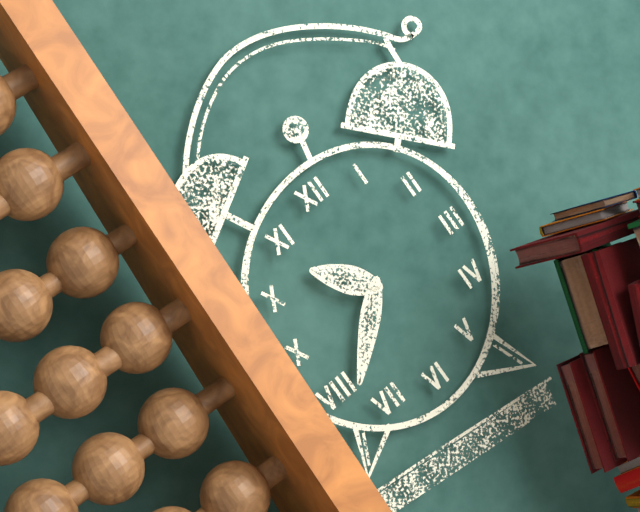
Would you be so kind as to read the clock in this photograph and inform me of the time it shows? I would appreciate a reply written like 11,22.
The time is 10,38
